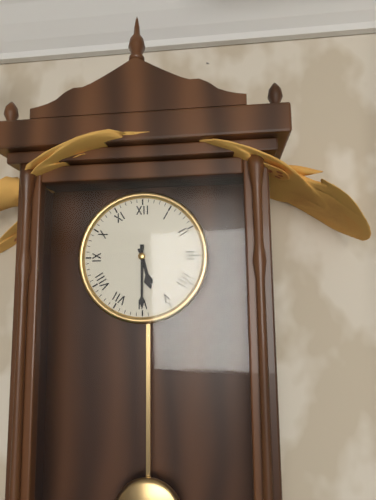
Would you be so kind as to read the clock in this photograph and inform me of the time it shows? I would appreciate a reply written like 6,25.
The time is 5,30
